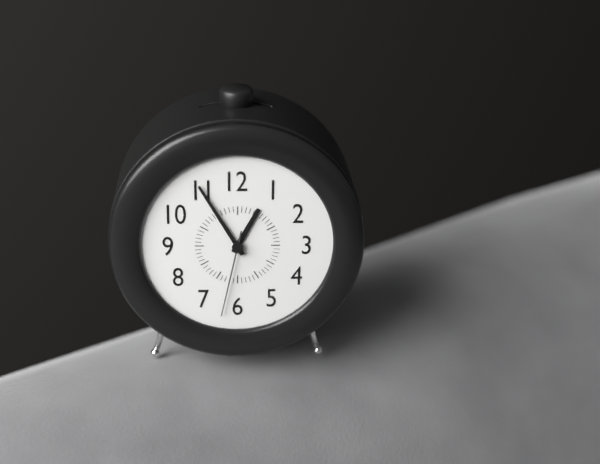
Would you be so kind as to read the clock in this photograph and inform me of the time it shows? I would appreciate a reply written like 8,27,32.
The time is 12,55,32
